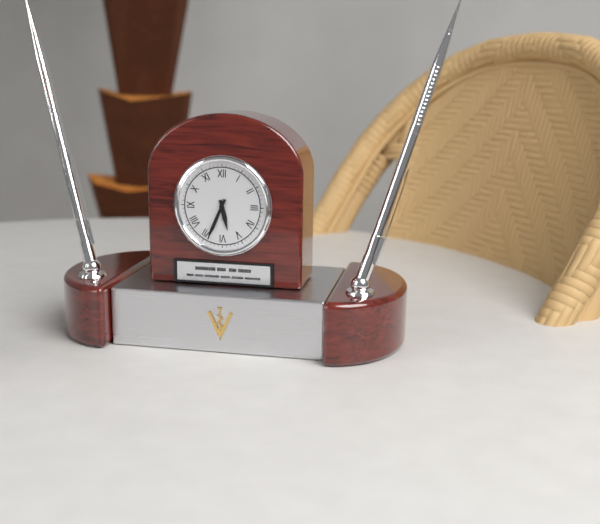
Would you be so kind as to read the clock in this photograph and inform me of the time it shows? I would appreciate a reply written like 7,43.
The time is 5,34
